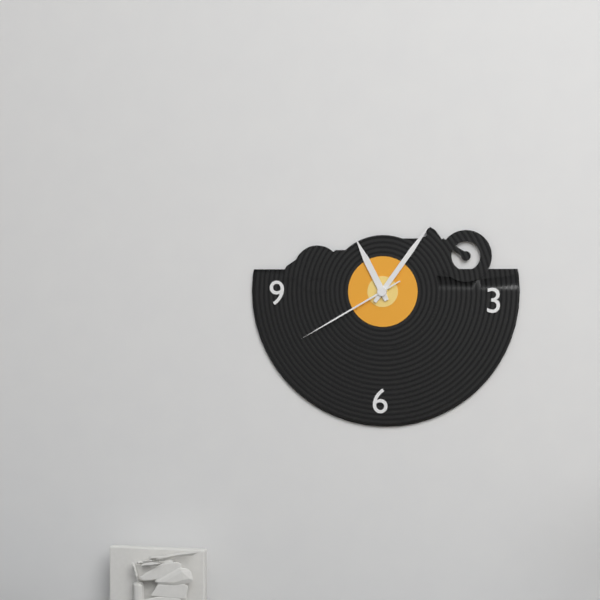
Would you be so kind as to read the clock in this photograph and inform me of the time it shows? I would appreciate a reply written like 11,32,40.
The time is 11,06,40
